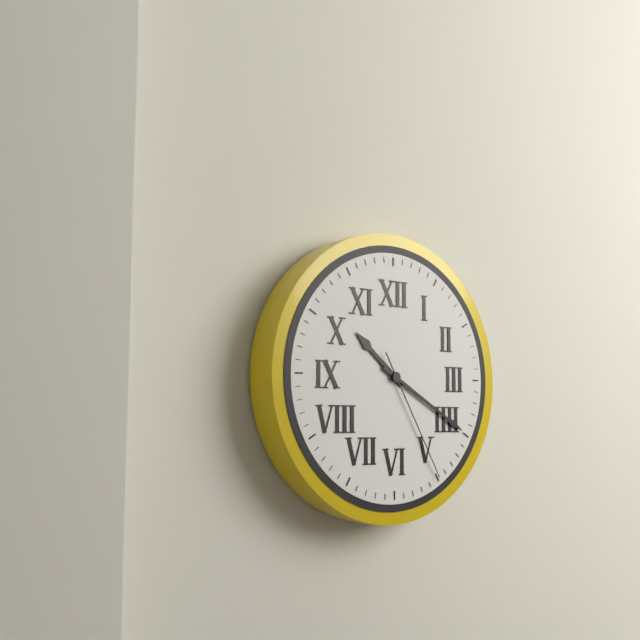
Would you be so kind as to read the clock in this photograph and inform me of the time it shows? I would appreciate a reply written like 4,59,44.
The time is 10,20,25
